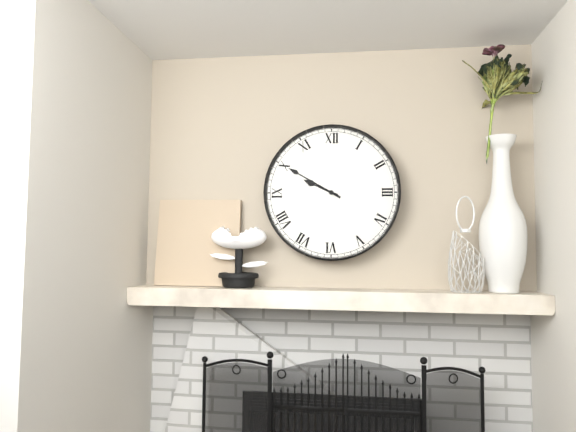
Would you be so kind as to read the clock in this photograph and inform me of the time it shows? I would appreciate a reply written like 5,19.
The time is 9,50
